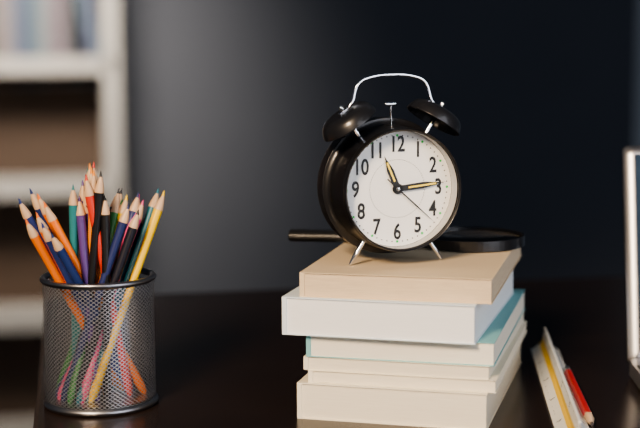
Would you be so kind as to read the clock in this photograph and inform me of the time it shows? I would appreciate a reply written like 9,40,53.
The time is 11,14,22
